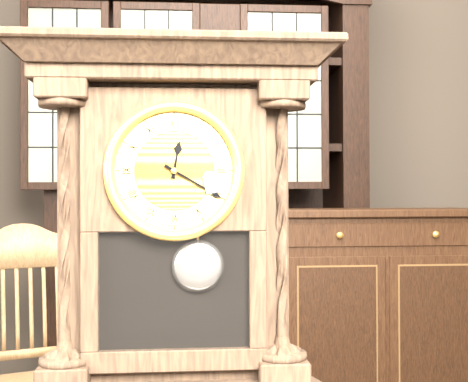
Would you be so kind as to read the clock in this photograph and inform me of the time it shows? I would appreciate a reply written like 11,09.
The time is 12,20
